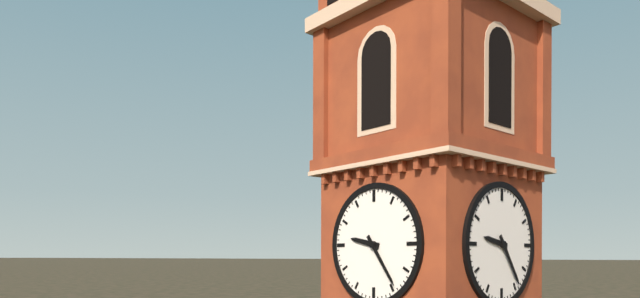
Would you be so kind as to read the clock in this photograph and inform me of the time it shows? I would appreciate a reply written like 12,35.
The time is 9,24
